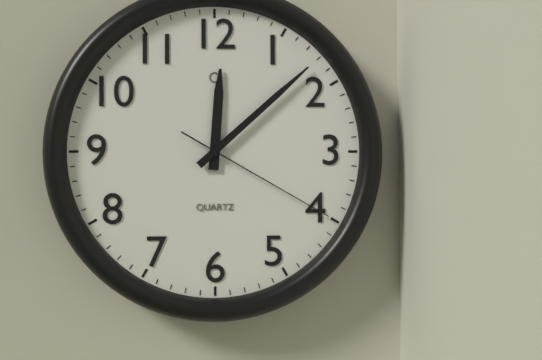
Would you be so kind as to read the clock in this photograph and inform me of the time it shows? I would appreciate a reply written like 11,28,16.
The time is 12,08,20
